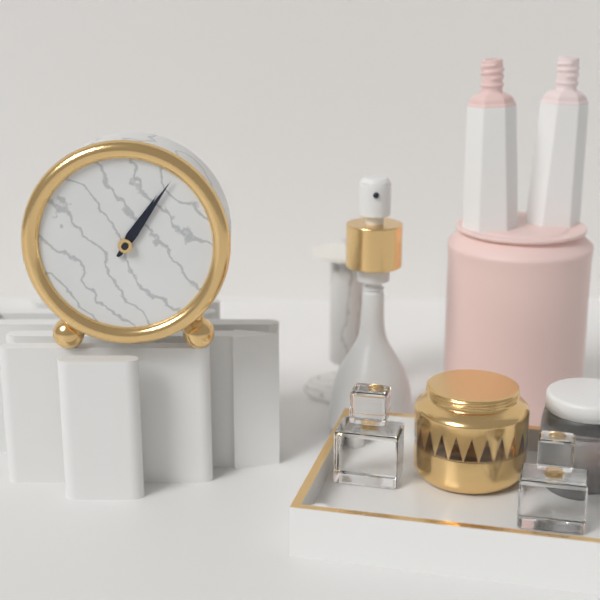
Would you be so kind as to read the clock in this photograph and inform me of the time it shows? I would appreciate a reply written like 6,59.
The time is 1,06
